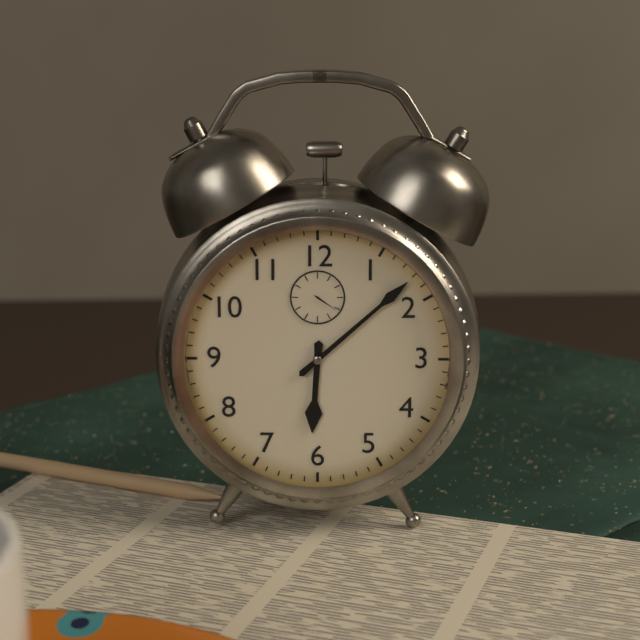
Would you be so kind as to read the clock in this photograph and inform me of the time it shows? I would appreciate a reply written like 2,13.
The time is 6,08
